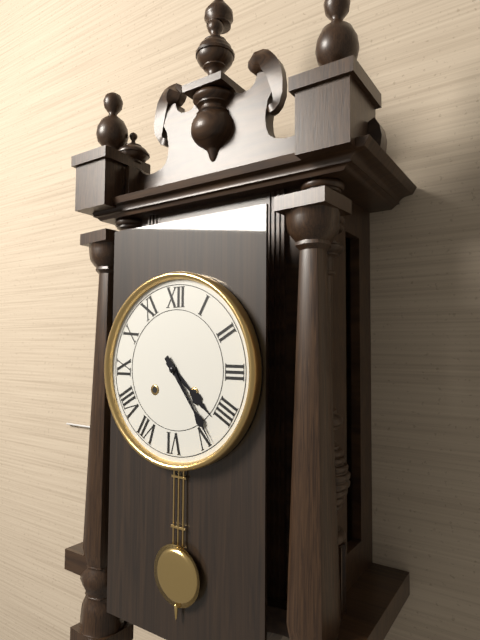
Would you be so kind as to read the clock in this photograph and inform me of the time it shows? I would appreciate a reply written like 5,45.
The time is 4,24
